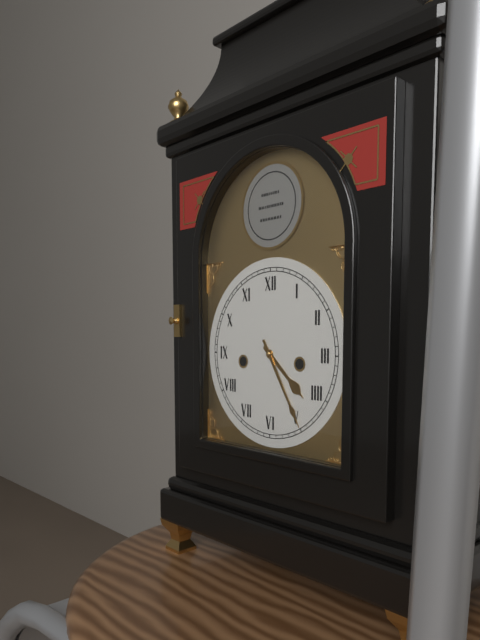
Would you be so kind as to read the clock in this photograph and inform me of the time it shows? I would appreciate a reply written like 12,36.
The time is 4,25
